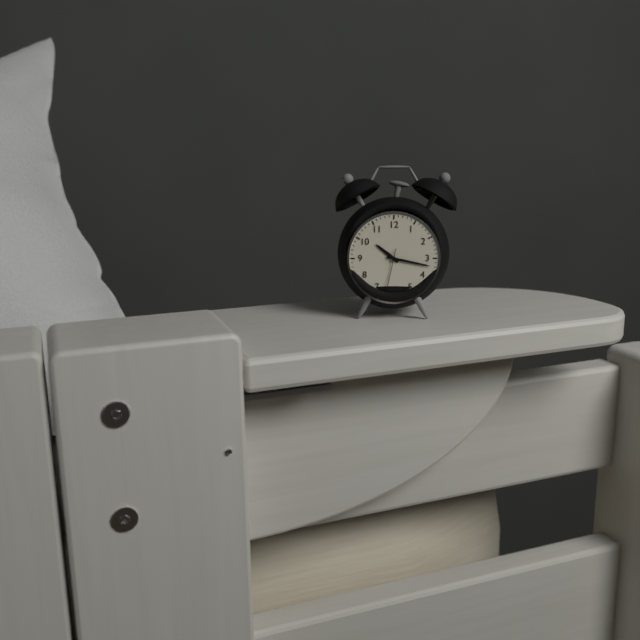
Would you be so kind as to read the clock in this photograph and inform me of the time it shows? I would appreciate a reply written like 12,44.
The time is 10,17
